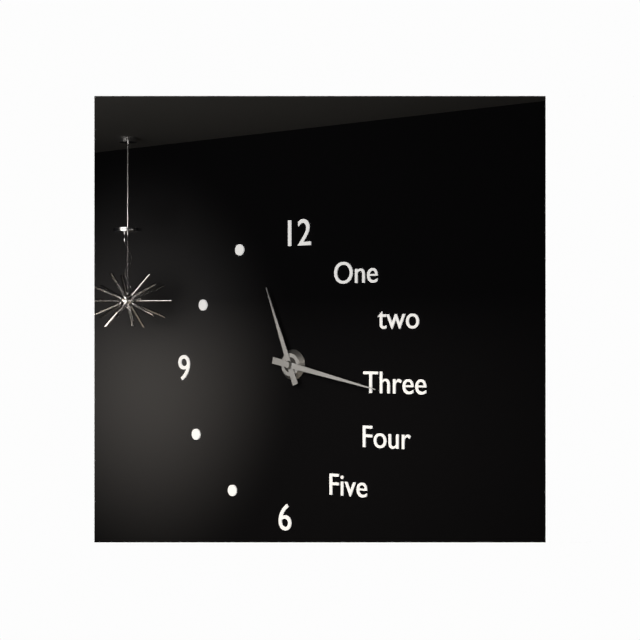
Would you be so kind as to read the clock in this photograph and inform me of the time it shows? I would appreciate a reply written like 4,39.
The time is 11,17
